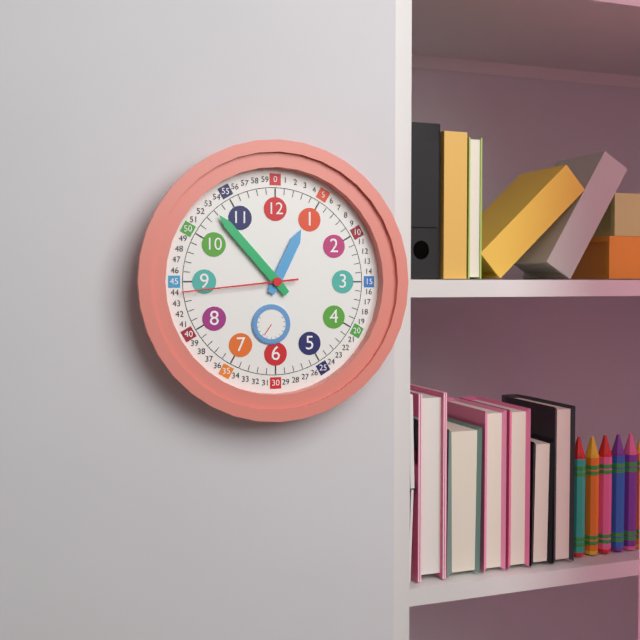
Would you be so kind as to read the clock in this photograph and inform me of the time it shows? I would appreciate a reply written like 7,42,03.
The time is 12,53,44
